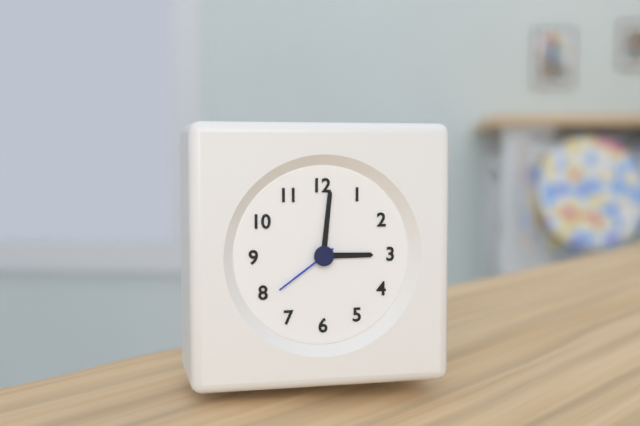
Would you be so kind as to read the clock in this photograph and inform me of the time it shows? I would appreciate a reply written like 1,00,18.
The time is 3,01,39
